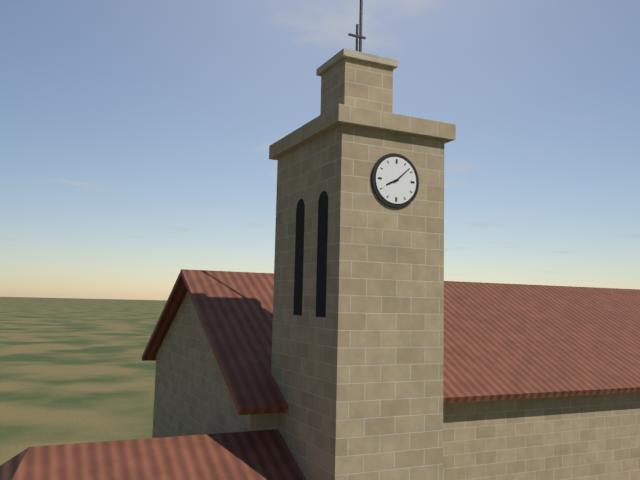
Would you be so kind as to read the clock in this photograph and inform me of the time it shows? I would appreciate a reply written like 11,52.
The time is 8,08
